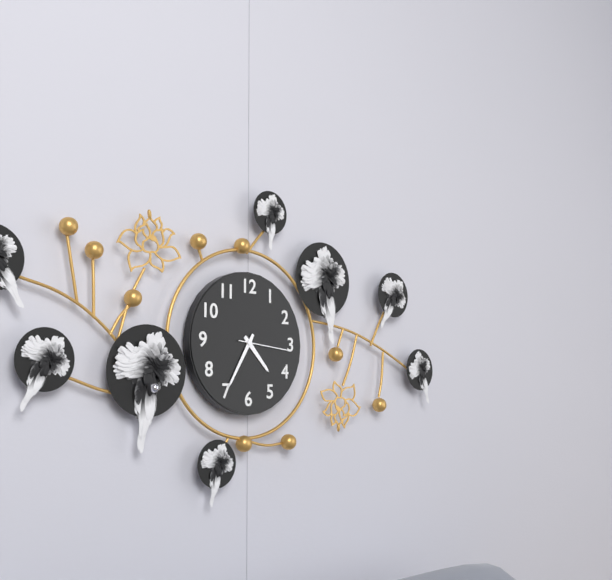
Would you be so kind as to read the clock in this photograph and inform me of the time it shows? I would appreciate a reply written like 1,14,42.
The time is 4,35,16
